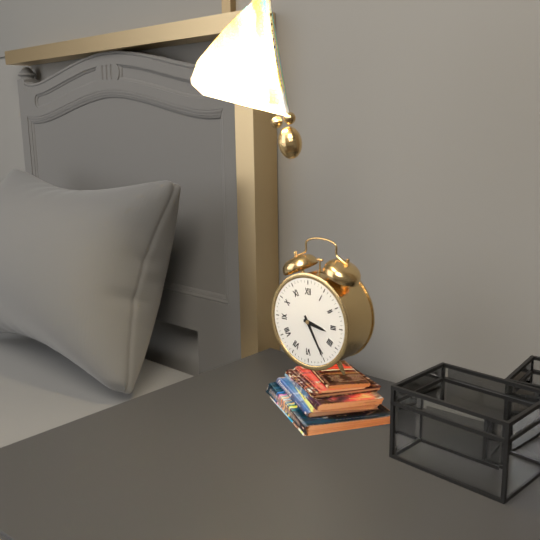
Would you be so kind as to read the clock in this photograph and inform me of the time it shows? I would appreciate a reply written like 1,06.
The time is 3,25
